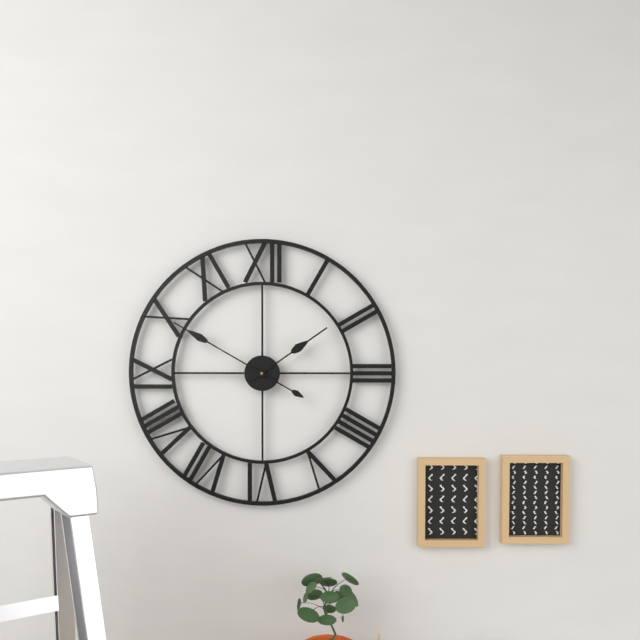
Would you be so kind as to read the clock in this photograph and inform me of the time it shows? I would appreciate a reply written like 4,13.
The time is 1,50
